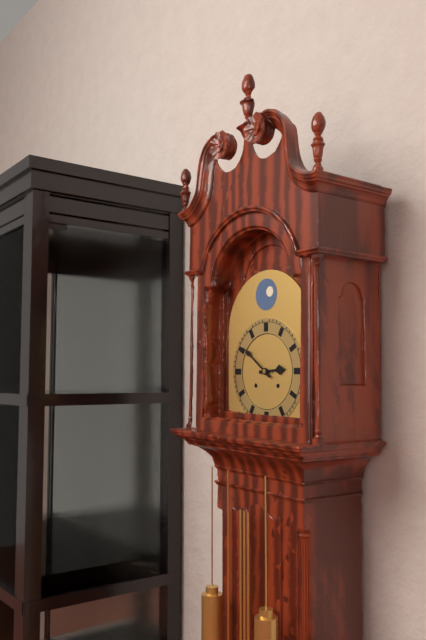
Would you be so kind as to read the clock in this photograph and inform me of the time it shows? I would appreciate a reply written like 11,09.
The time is 2,51
